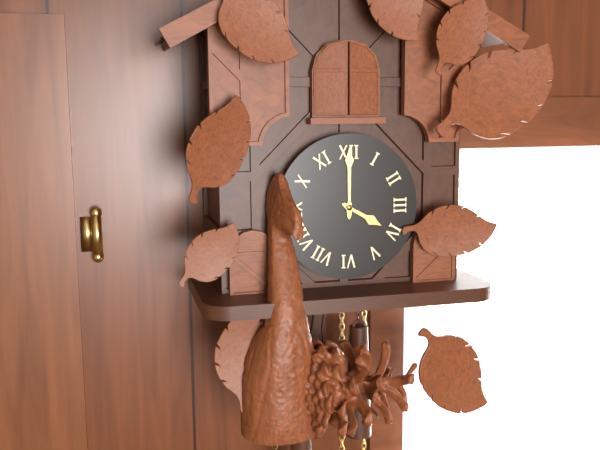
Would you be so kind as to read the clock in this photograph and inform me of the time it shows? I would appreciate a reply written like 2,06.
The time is 4,00
